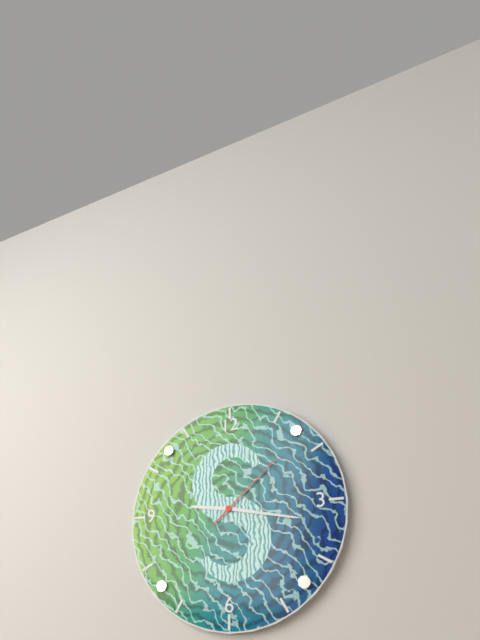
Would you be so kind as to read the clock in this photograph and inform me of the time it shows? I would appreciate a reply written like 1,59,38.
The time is 9,17,08
